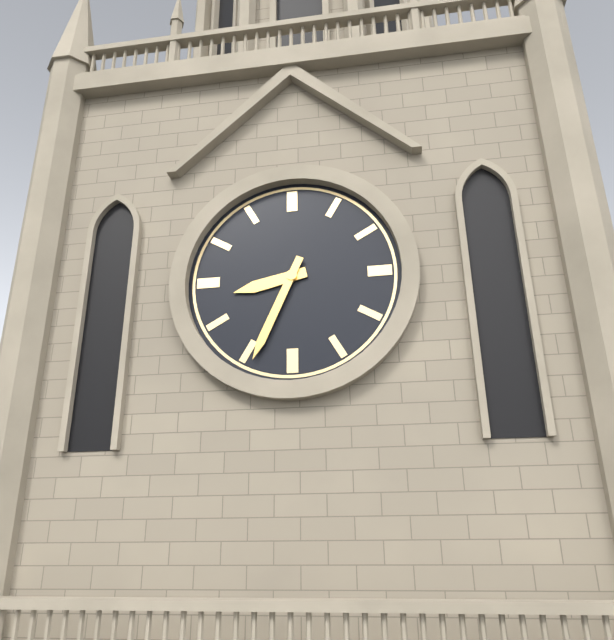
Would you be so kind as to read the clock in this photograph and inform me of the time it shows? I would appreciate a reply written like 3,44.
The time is 8,34
